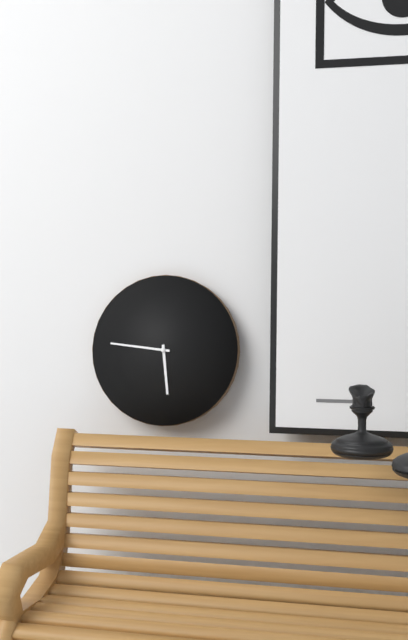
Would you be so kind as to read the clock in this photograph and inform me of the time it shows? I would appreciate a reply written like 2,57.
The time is 5,46
